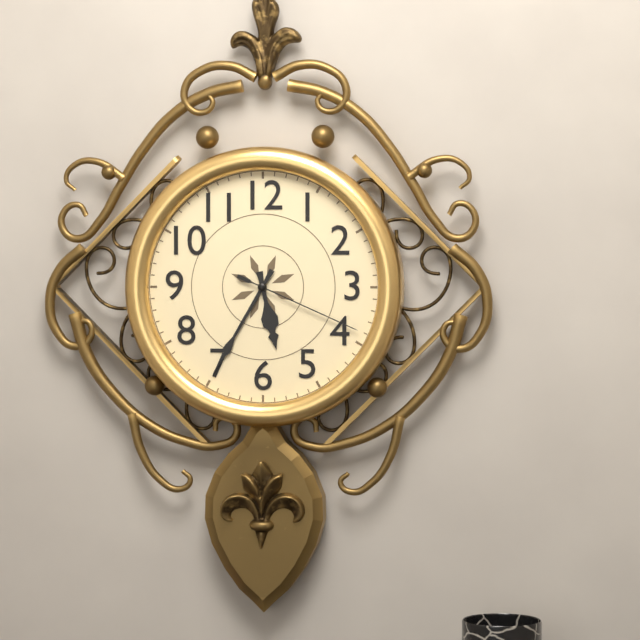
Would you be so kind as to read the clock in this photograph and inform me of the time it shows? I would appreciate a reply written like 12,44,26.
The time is 5,35,19
